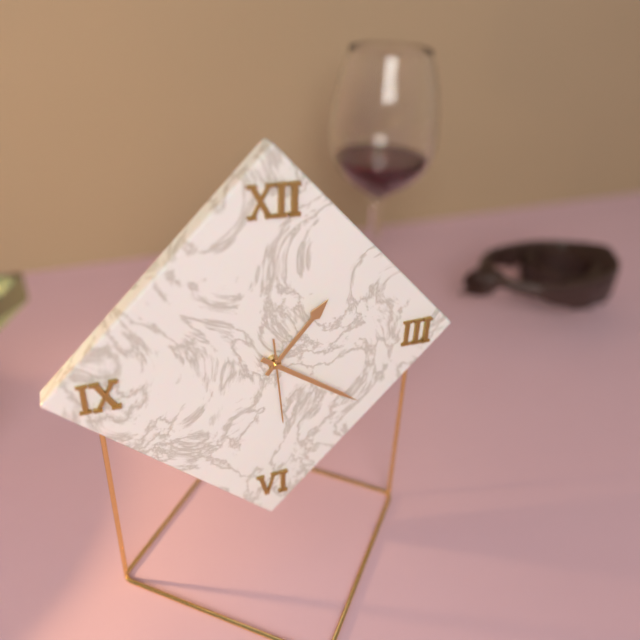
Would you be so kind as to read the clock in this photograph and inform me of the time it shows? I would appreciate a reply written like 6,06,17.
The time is 1,21,29
